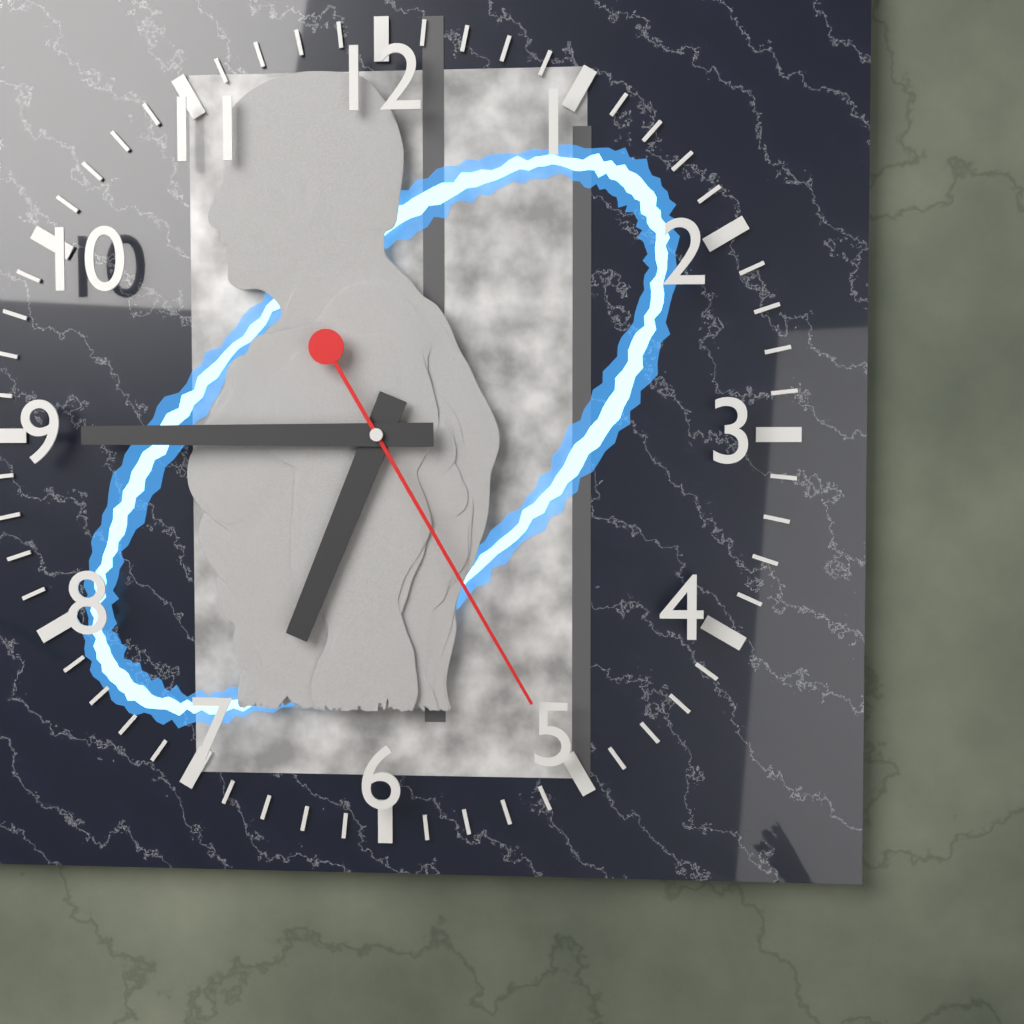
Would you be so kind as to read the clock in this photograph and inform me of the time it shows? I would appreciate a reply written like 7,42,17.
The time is 6,45,25
